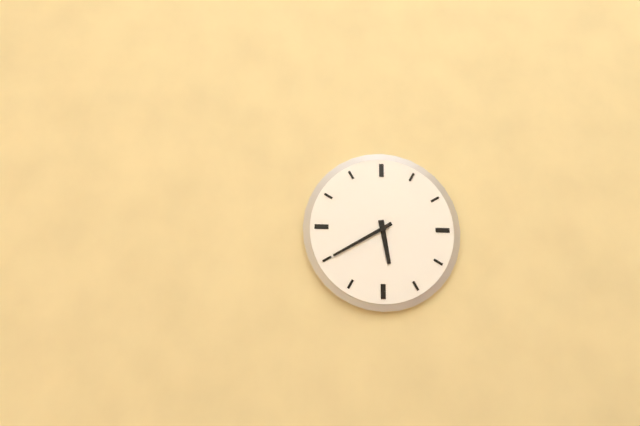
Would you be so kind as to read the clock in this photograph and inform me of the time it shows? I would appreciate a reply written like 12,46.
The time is 5,40
